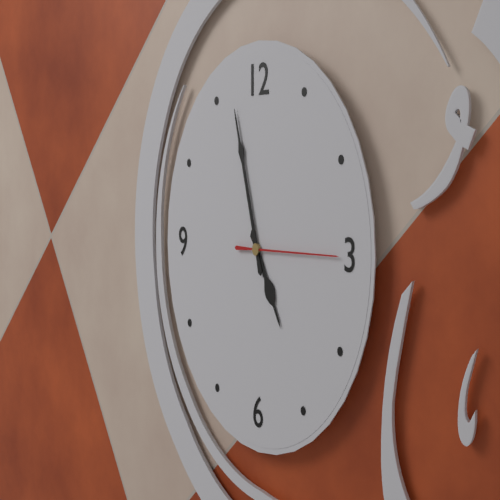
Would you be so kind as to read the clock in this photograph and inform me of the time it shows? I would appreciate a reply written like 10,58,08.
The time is 4,57,15
